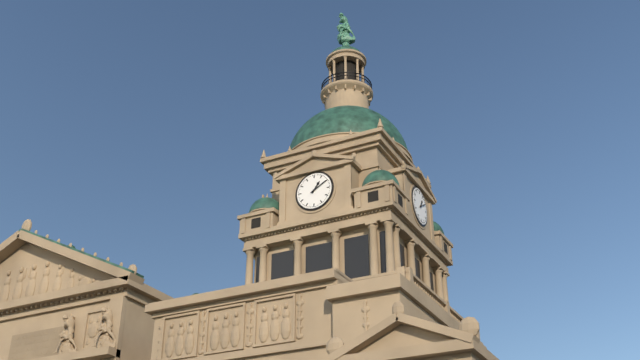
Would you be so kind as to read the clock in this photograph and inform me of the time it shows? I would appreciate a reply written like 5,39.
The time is 1,10
